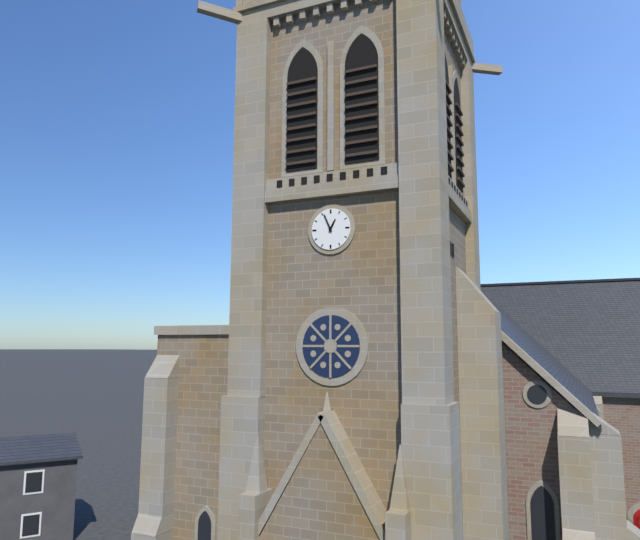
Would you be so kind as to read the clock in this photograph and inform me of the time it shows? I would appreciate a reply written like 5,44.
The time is 12,56
